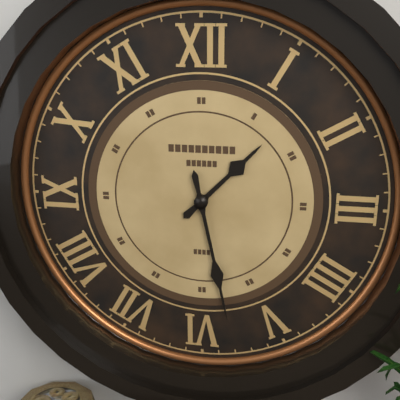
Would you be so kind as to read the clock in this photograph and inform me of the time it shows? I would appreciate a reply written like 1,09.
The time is 1,28
